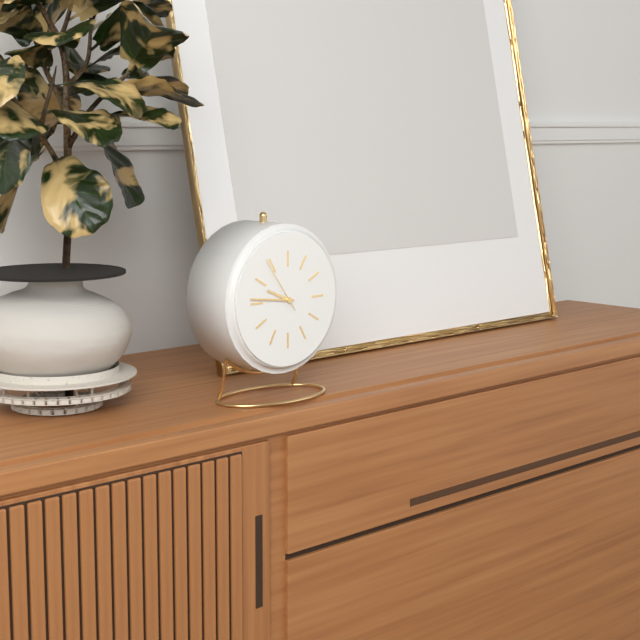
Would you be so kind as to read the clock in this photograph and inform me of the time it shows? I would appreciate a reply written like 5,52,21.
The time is 9,46,54
